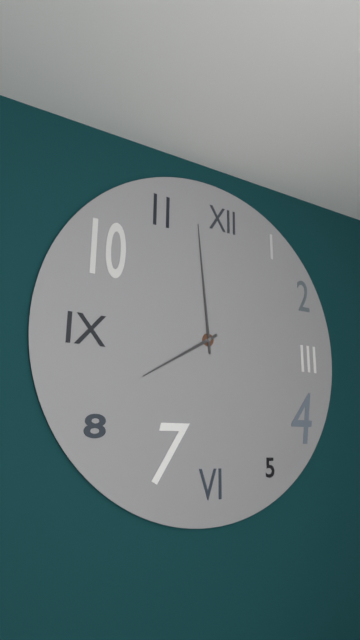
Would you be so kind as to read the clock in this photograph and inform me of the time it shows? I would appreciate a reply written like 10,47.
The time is 7,59
